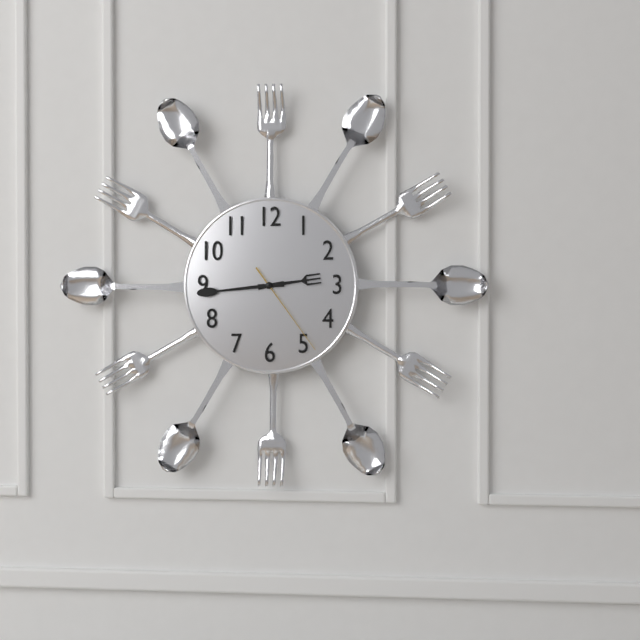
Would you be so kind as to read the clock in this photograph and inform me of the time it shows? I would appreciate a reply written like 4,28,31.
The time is 2,44,24
